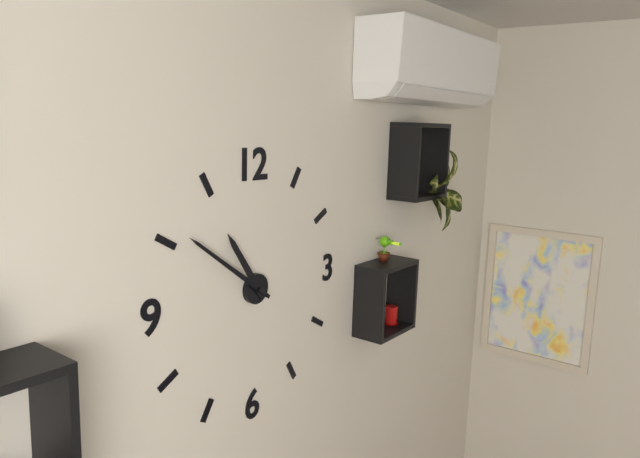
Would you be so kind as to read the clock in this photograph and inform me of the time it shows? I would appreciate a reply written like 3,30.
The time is 10,51
